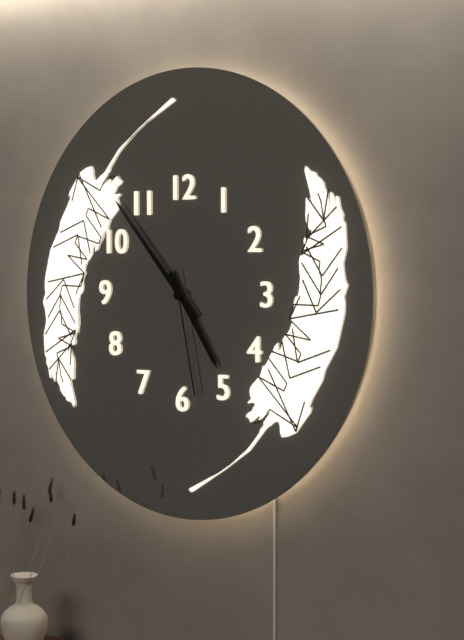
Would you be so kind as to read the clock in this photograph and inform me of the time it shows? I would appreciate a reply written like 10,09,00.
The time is 4,53,28
